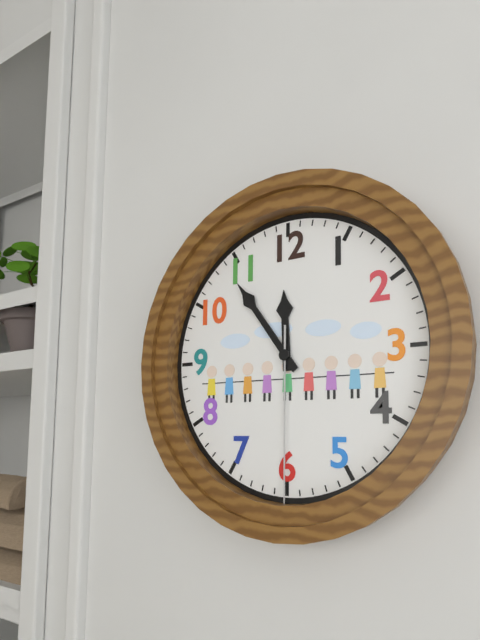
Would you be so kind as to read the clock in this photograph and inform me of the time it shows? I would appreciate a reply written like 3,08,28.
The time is 11,54,30
